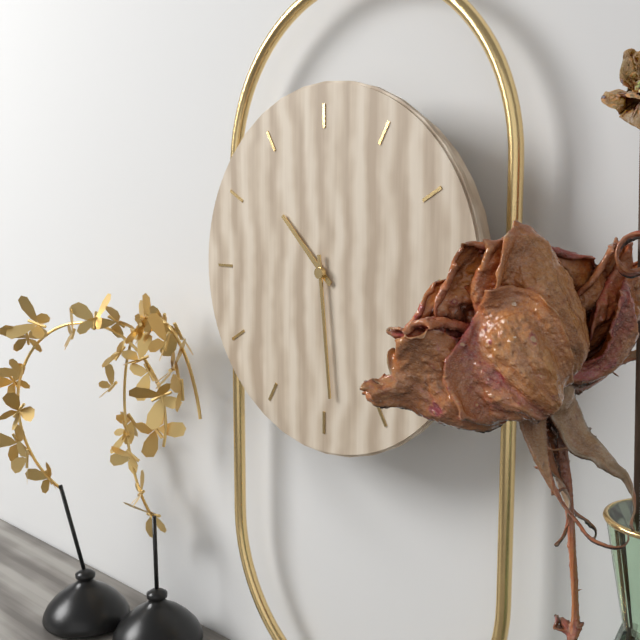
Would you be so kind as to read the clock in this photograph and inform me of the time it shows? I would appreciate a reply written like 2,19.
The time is 10,29
